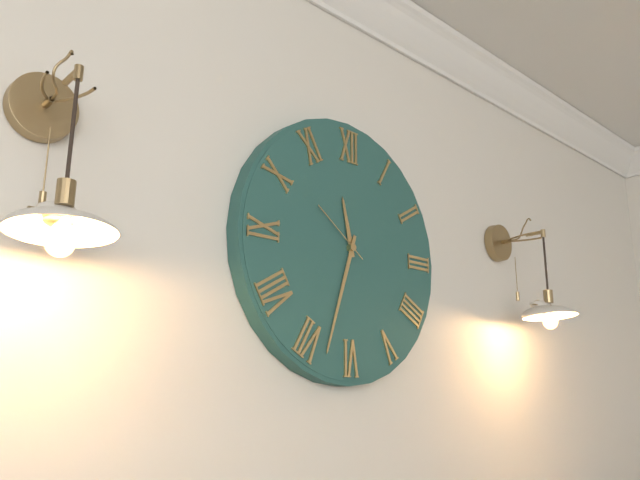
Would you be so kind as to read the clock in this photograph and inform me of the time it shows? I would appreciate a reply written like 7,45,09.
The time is 11,33,51
